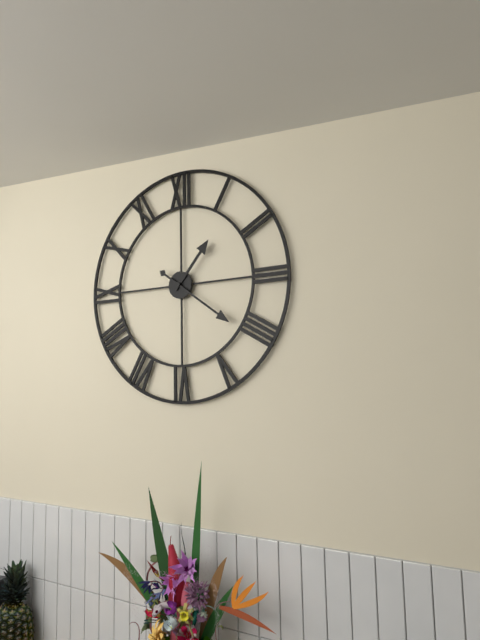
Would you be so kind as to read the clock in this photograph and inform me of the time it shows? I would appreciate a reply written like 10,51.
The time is 1,21
